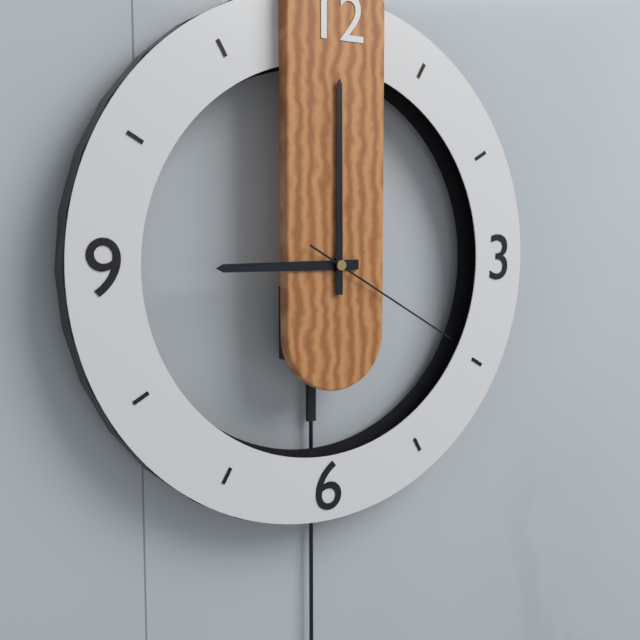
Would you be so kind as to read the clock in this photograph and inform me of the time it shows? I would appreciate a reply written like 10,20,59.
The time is 9,00,20
